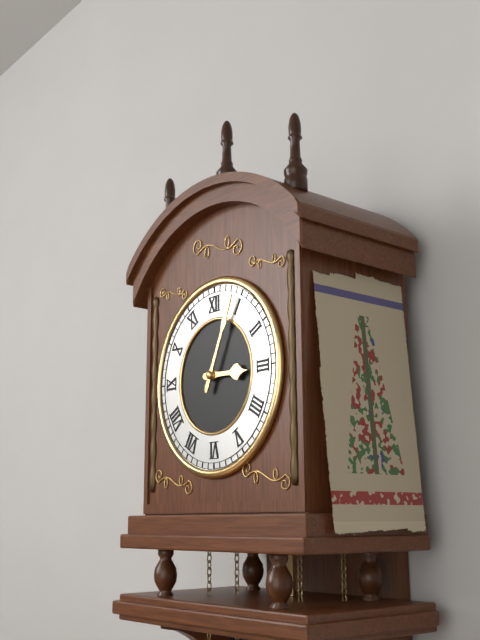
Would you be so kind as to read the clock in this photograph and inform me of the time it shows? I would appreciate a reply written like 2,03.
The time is 3,04
